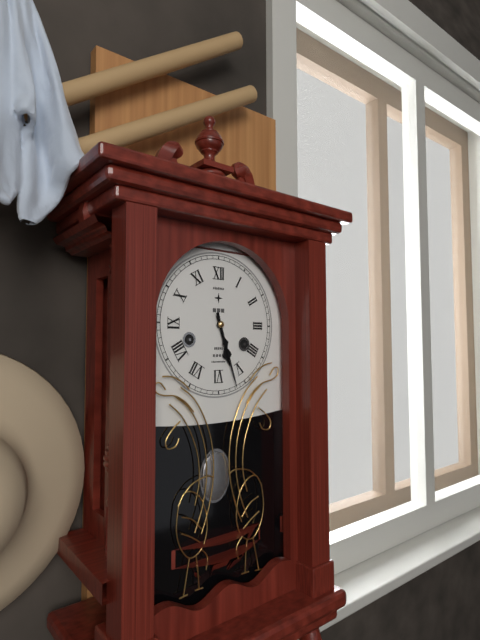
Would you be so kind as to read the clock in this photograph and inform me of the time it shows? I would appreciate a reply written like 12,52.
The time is 5,27
